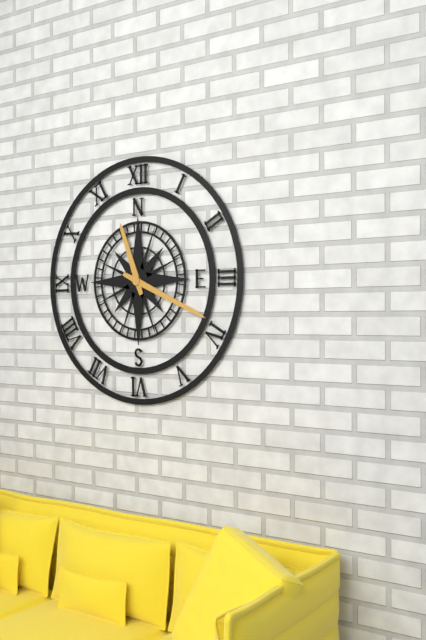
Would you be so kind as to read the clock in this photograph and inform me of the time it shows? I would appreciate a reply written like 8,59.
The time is 11,19
